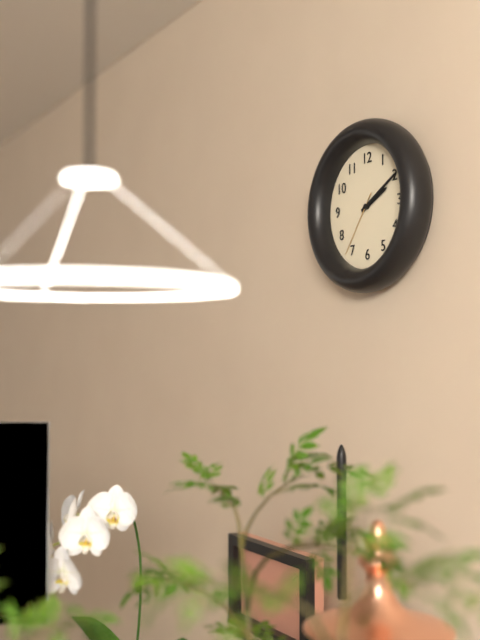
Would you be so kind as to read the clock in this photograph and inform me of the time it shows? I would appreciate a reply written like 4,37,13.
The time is 2,10,36
